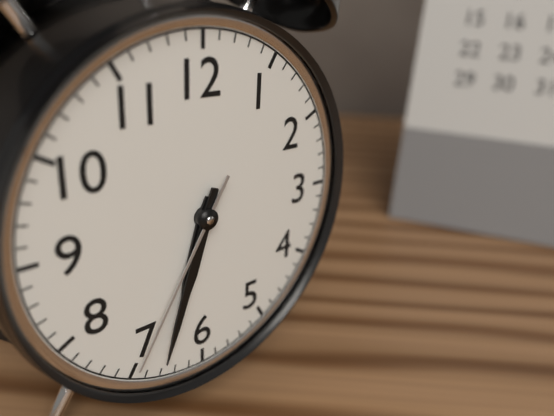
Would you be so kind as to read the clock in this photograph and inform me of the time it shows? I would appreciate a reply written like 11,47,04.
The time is 6,33,35
